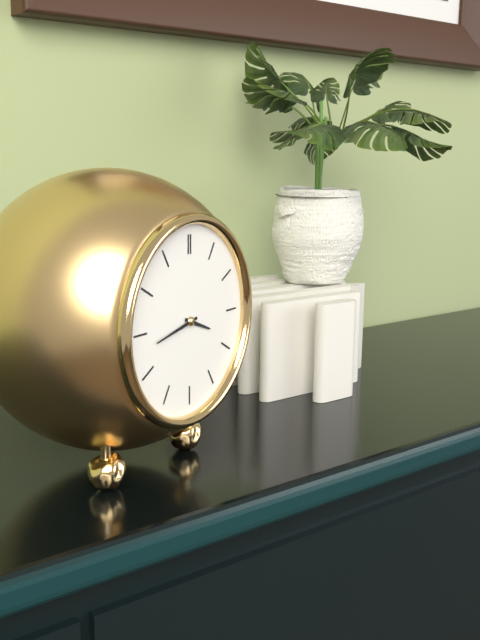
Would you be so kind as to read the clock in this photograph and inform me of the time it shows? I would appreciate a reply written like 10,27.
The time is 3,43
